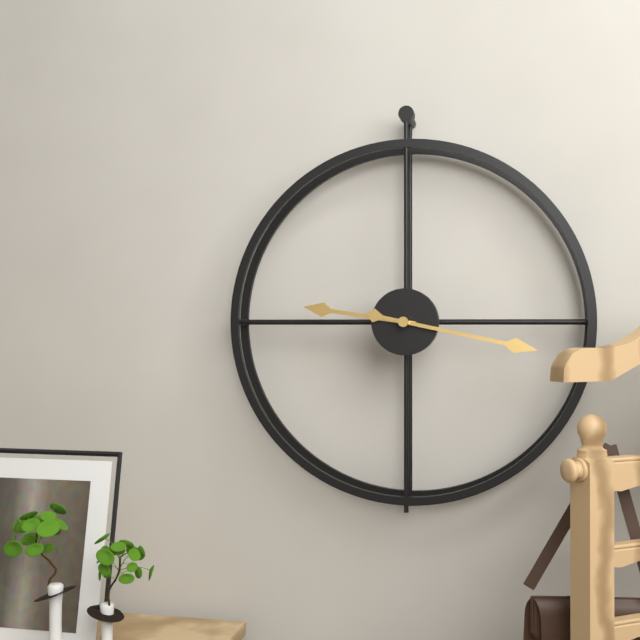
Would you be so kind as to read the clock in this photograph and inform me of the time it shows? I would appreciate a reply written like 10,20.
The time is 9,17
